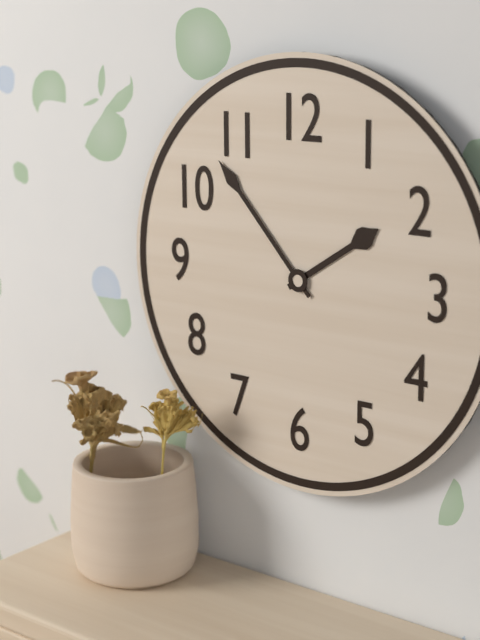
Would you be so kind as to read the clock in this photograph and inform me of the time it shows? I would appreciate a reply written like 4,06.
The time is 1,53
